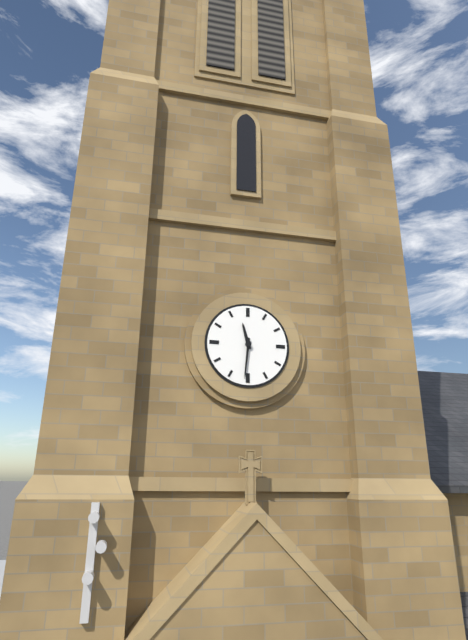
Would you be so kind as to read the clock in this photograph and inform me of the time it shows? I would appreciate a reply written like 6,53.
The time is 11,31
